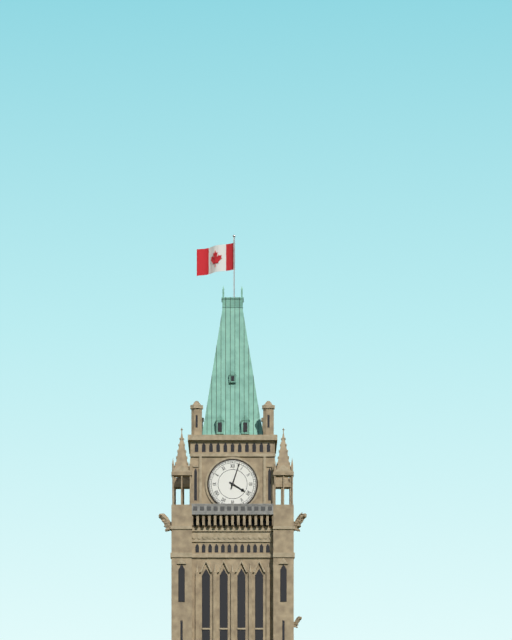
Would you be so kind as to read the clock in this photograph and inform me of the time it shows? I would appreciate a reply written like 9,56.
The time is 4,03
